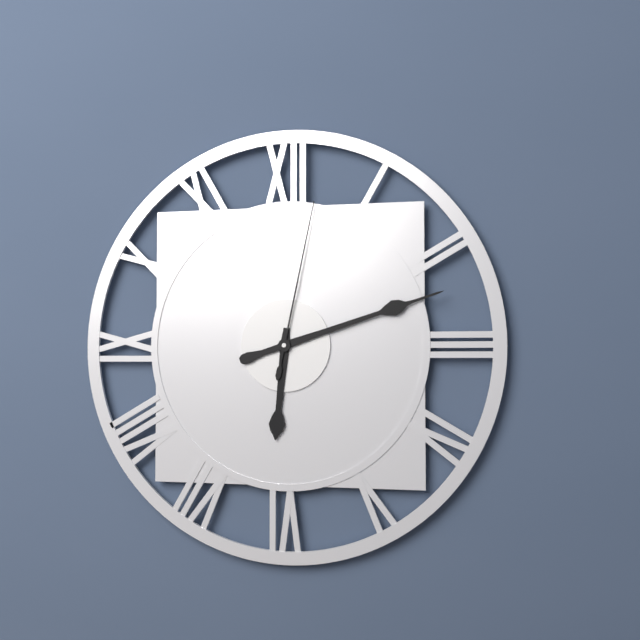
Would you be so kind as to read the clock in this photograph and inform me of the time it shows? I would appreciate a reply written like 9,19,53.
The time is 6,12,02
